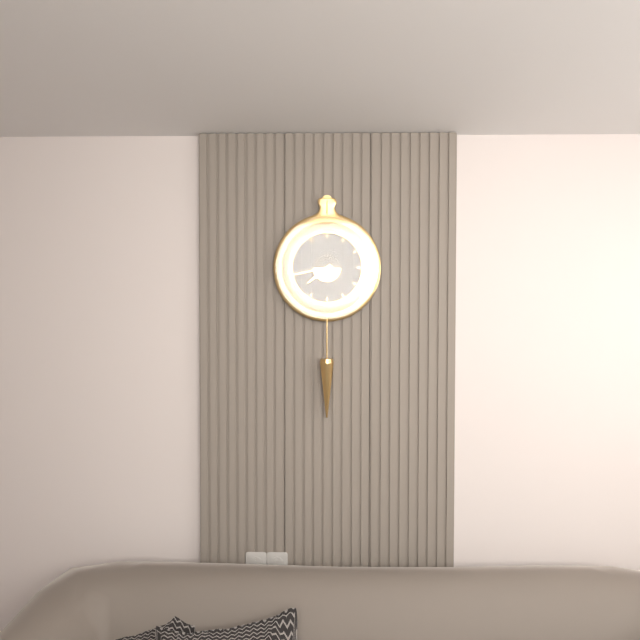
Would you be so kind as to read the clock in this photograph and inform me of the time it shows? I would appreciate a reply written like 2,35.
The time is 7,43
